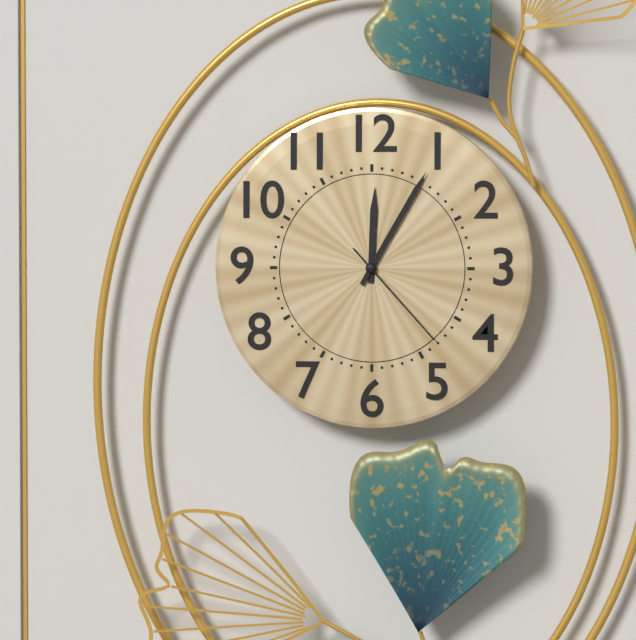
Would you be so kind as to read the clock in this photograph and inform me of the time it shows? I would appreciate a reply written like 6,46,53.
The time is 12,05,23
